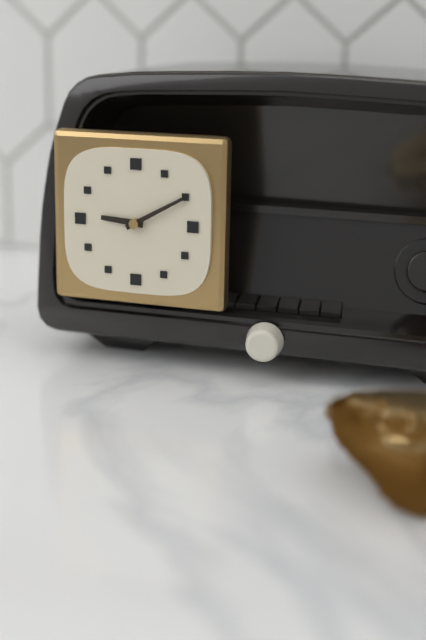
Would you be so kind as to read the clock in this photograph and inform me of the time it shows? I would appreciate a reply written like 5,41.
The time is 9,10
